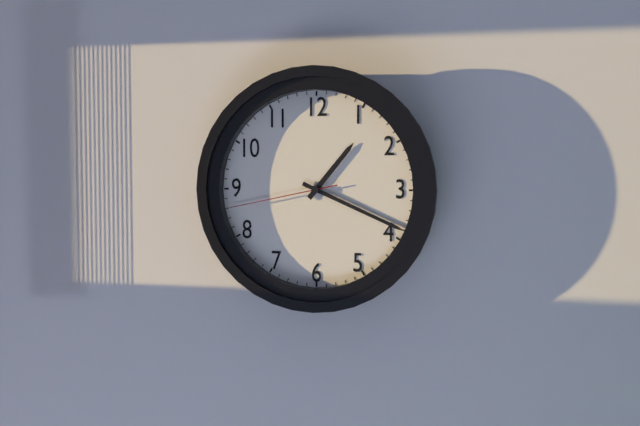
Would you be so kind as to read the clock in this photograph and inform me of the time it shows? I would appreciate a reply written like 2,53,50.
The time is 1,19,43
